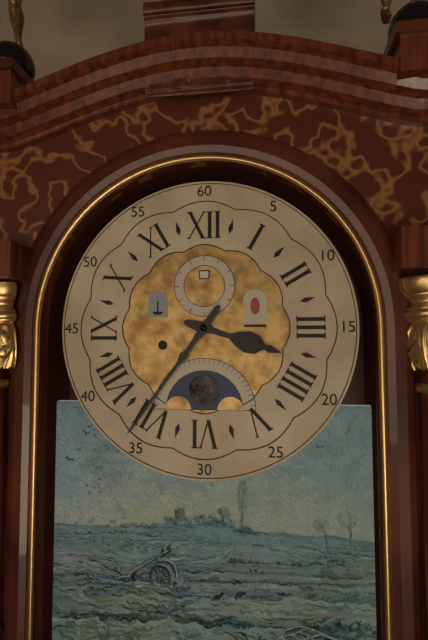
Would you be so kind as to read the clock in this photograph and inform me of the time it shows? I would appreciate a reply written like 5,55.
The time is 3,36
